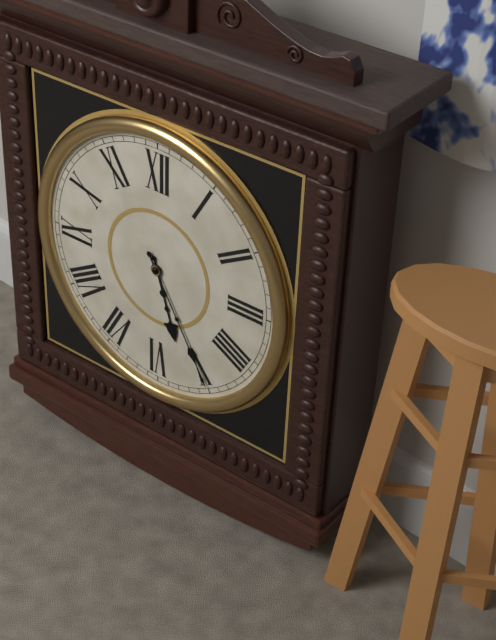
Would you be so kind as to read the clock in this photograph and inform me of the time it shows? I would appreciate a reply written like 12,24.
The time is 5,25
